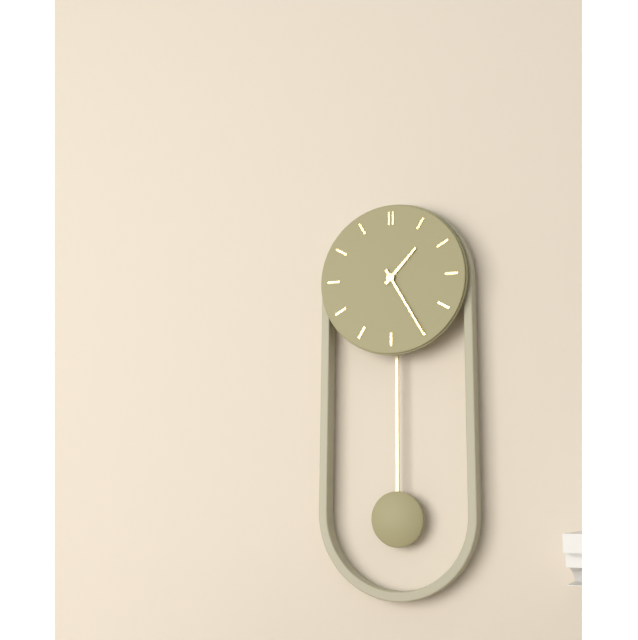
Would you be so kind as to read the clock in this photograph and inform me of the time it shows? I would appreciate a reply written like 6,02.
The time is 1,25
